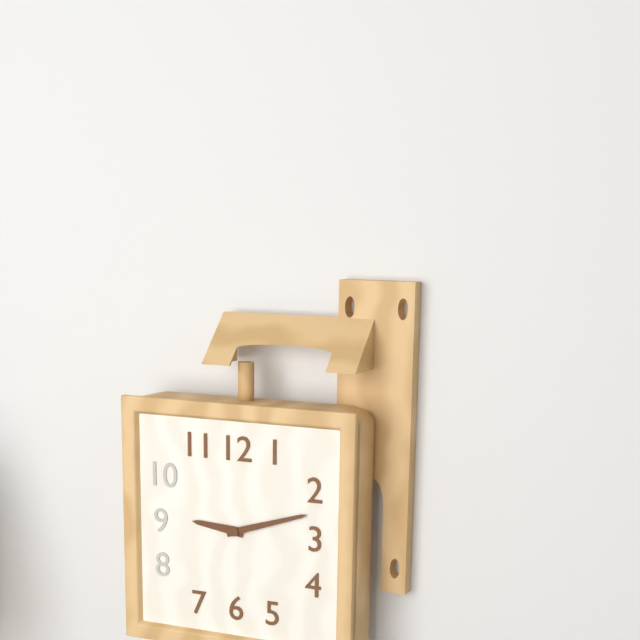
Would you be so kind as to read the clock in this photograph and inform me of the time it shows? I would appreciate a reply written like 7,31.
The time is 9,12
